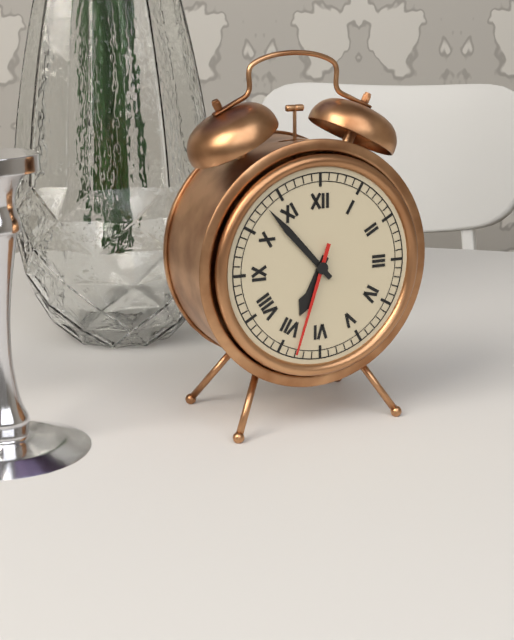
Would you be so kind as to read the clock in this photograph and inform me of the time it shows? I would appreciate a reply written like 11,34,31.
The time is 6,53,33
